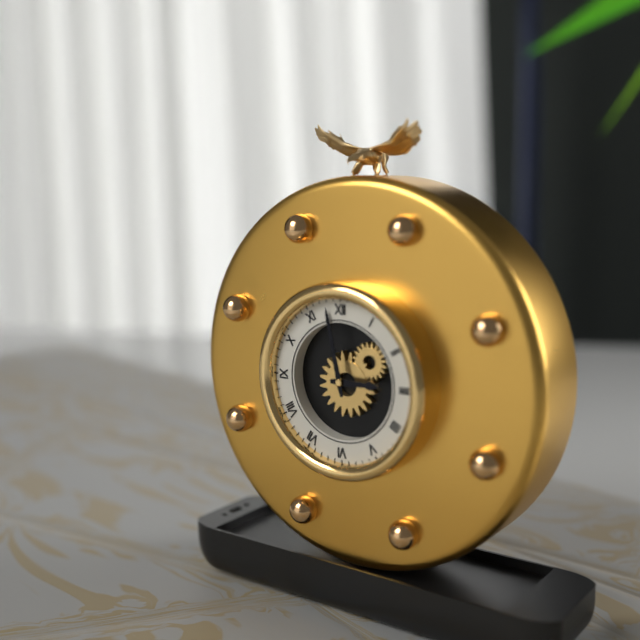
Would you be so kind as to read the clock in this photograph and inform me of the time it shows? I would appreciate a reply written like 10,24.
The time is 2,58
